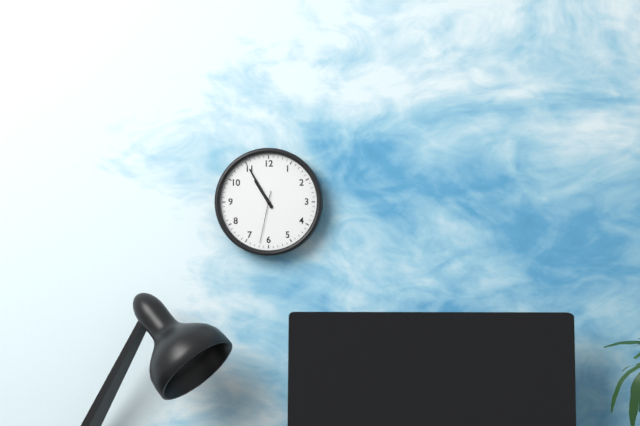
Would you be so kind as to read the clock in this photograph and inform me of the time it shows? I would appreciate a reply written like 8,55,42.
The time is 10,55,32
